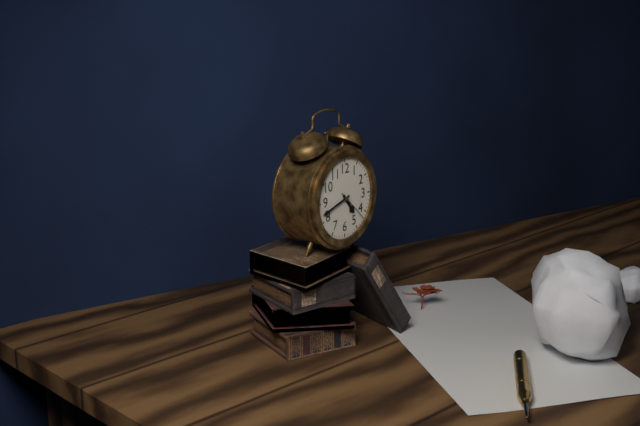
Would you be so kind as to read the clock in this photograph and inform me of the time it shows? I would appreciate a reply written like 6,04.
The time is 4,42
